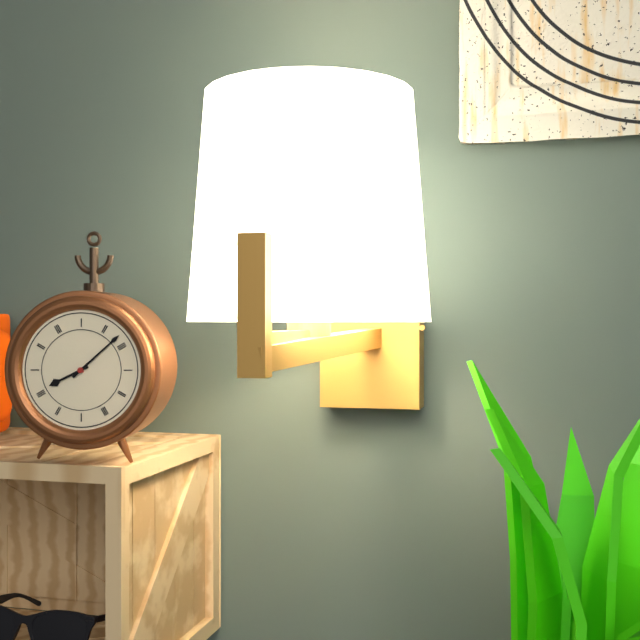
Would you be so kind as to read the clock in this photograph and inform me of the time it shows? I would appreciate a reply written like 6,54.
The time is 8,08
